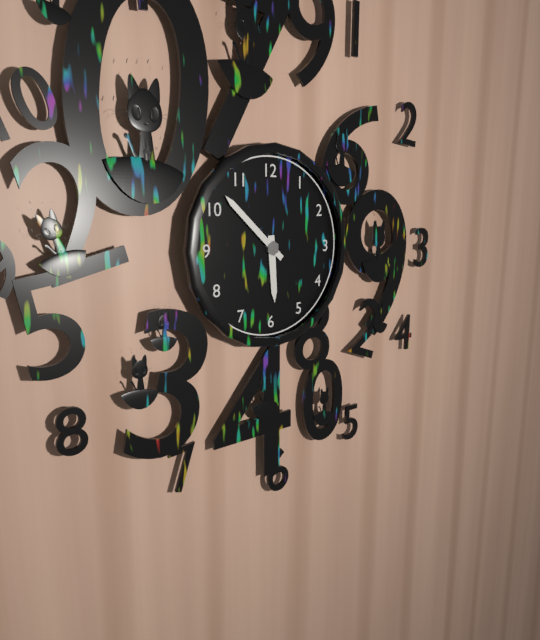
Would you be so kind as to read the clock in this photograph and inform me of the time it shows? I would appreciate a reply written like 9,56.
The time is 5,52
